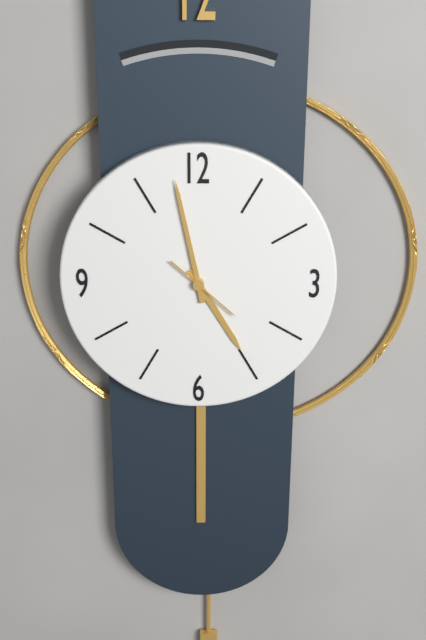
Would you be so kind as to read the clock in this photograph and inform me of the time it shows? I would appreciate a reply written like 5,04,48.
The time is 4,58,22
